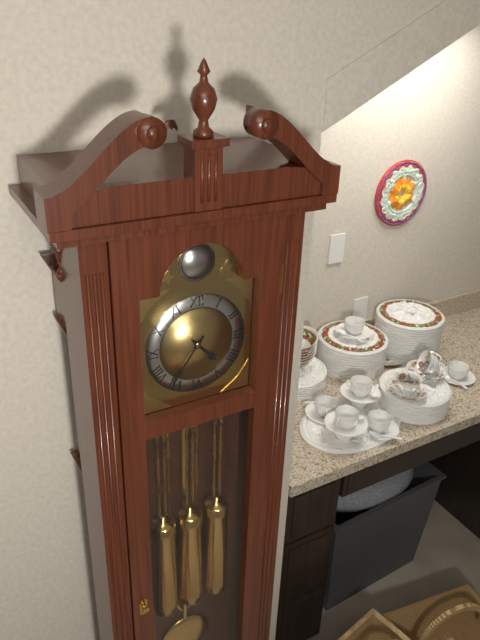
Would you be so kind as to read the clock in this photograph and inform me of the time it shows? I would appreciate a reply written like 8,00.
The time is 4,36
